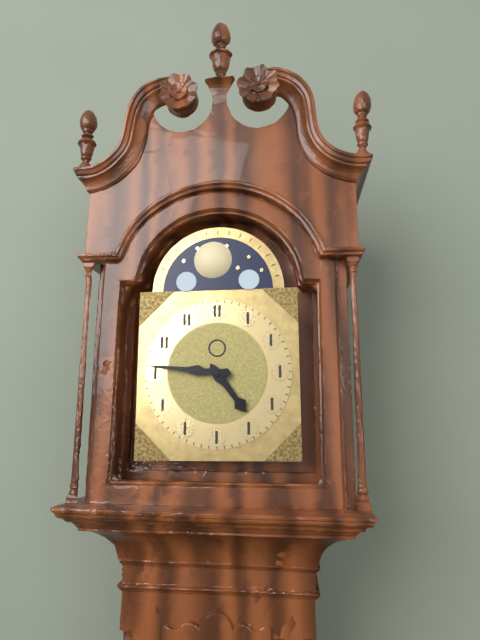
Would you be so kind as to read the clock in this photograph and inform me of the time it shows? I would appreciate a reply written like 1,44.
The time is 4,46
